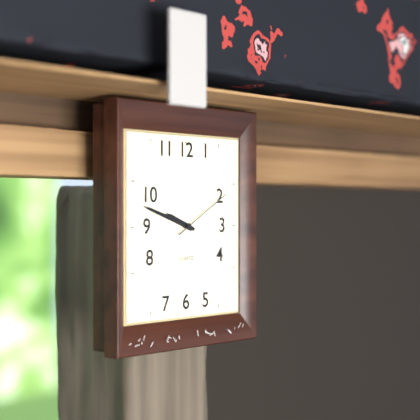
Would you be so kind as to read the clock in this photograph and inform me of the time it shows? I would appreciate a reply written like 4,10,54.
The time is 9,48,10
